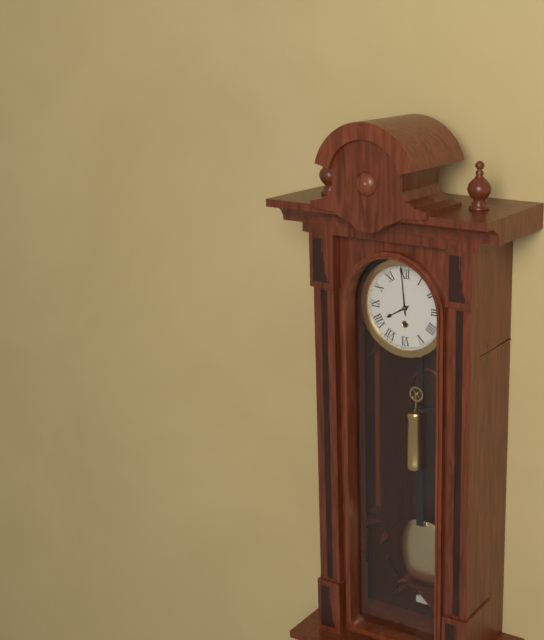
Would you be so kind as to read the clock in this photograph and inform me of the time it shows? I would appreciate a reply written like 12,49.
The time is 7,59
